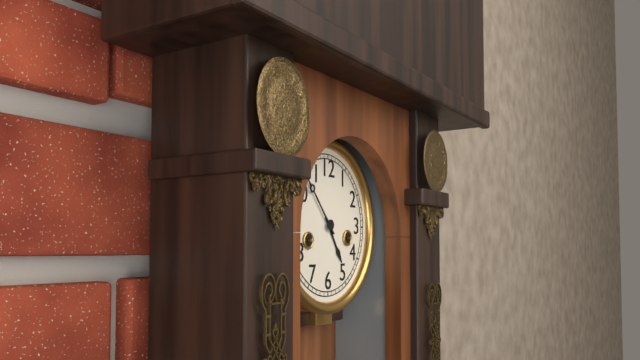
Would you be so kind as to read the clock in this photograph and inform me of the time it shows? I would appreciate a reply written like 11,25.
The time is 4,53
